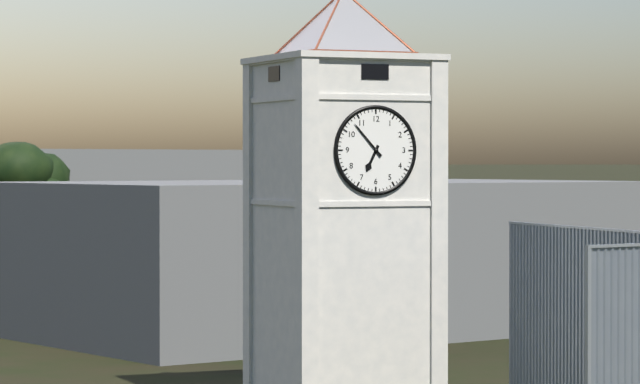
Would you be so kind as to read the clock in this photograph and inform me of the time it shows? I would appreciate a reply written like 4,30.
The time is 6,53
